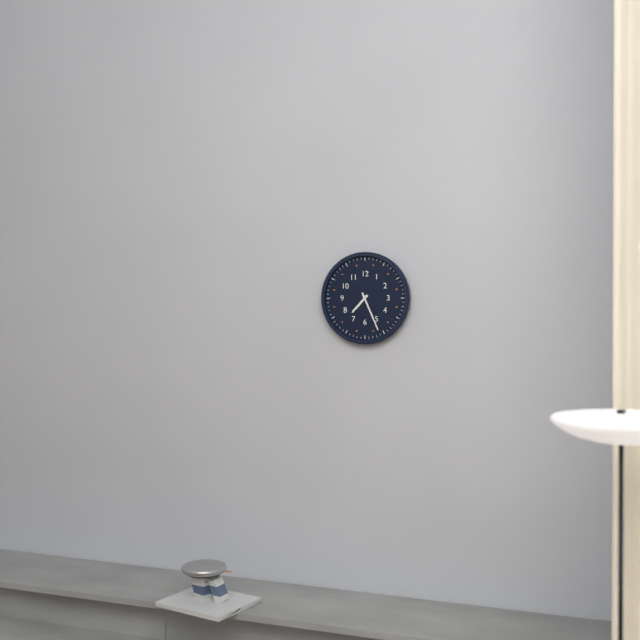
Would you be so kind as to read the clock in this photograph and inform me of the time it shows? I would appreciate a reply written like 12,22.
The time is 7,26
